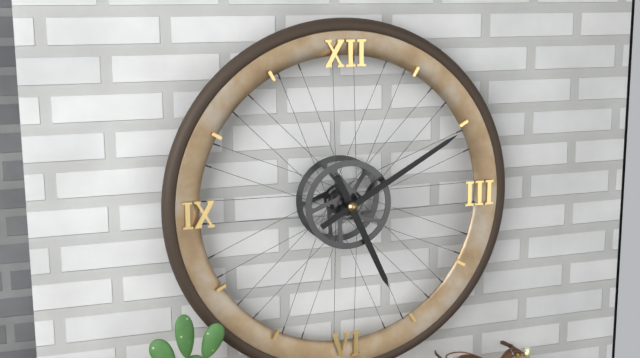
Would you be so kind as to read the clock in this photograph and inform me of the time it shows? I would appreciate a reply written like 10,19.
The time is 5,10
